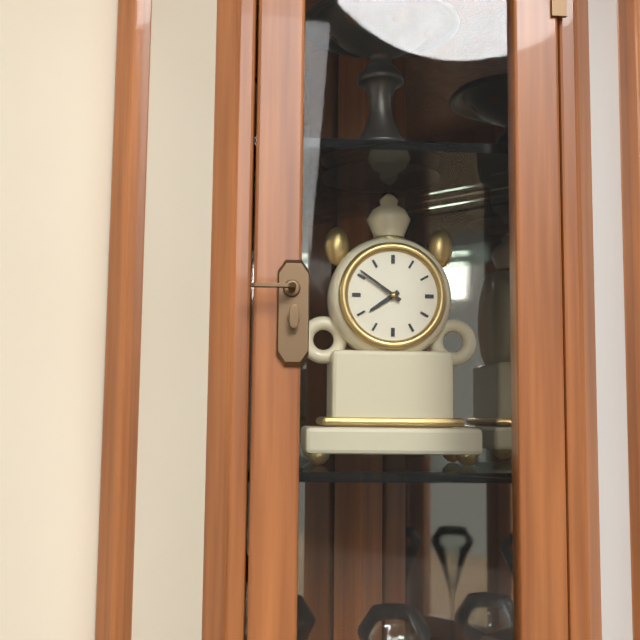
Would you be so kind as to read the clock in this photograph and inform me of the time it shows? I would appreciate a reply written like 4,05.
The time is 7,51
